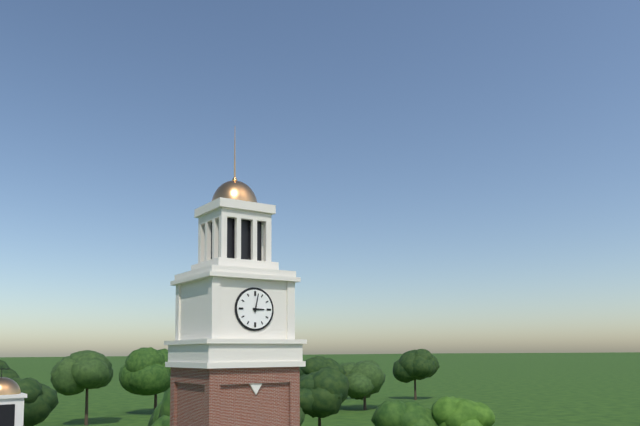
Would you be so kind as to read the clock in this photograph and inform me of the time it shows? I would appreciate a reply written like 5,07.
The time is 3,02
